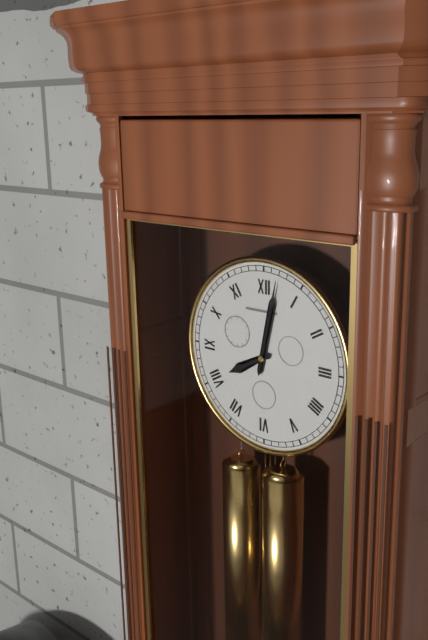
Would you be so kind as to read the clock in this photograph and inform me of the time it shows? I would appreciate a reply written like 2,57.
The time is 8,02
